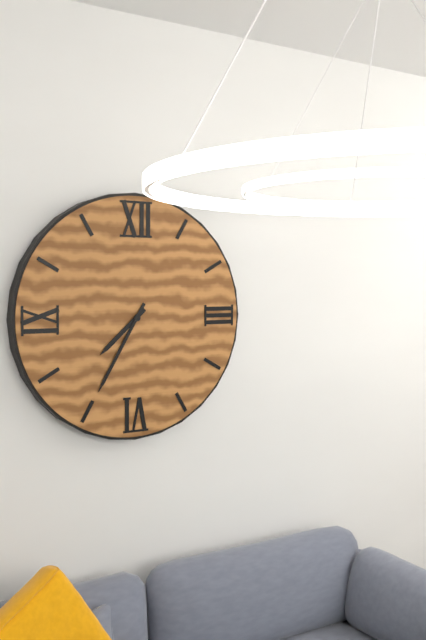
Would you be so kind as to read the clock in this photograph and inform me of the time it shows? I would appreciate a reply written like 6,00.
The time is 7,35
